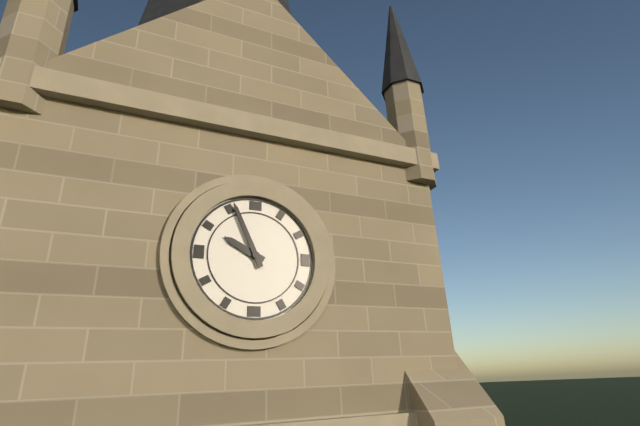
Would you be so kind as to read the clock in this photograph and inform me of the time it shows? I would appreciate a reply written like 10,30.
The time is 9,56
